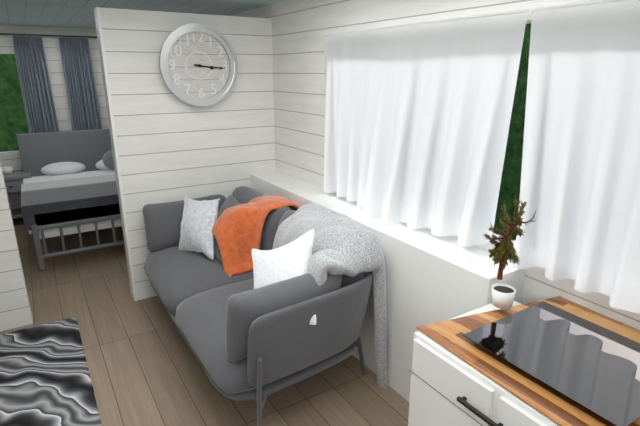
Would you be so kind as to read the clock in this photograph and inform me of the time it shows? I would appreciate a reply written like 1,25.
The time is 3,16
